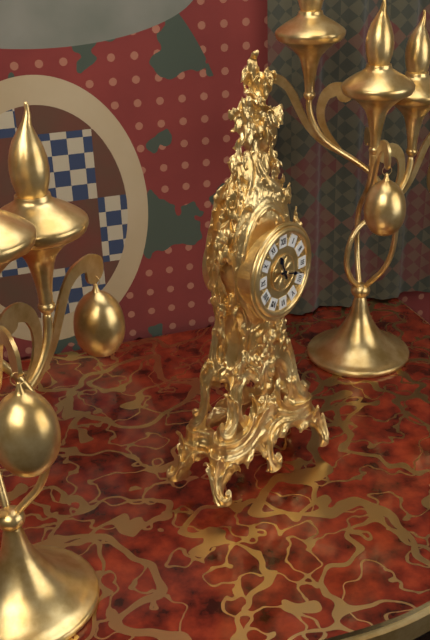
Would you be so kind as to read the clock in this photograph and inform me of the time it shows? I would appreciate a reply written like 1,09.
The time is 11,18
